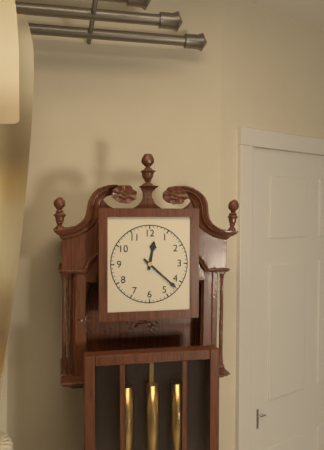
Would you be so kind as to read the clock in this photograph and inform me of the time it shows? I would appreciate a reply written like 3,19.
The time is 12,22
